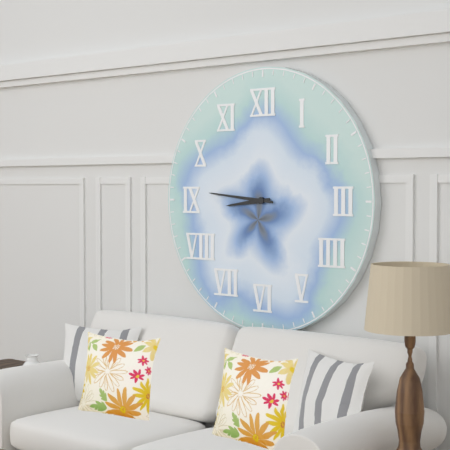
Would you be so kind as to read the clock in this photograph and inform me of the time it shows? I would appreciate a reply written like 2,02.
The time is 8,46
